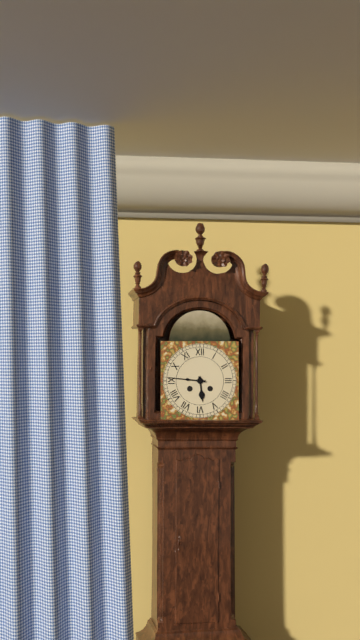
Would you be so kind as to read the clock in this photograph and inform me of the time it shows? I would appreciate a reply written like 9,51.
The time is 5,46
